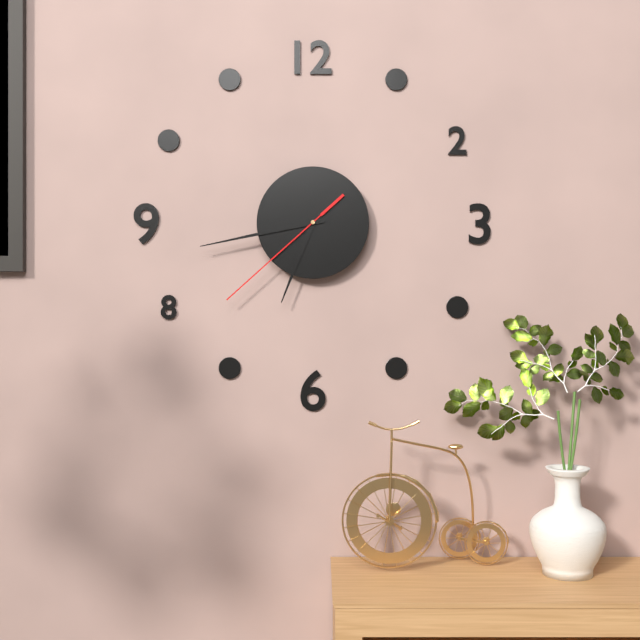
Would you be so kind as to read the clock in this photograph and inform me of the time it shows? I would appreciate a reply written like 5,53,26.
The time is 6,43,38
